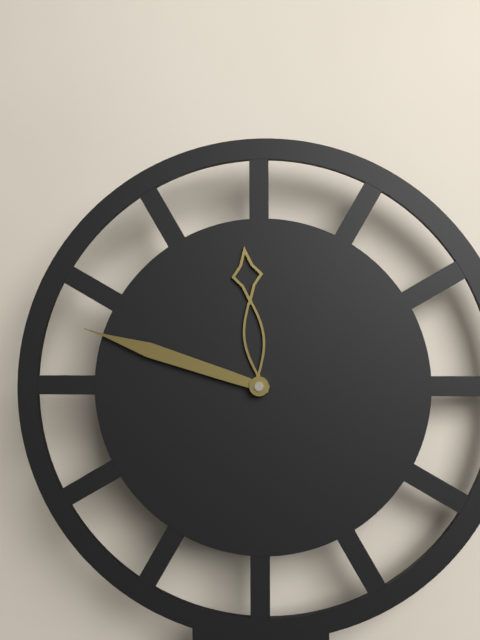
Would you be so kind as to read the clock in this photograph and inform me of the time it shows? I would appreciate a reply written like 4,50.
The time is 11,48
